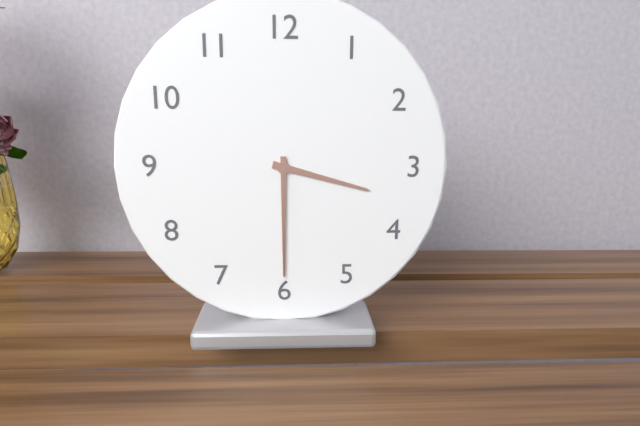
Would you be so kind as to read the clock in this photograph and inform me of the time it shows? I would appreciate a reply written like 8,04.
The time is 3,30
